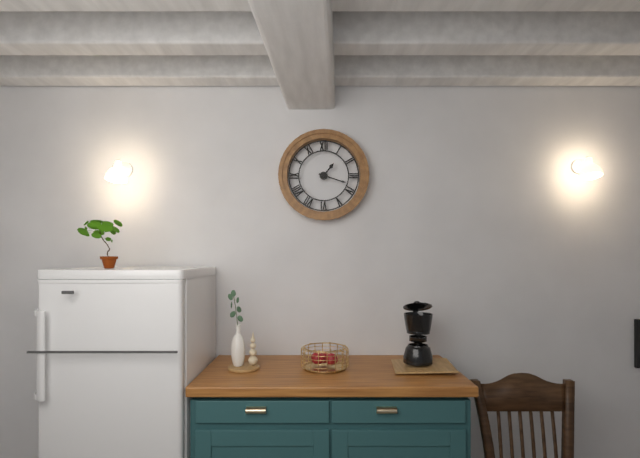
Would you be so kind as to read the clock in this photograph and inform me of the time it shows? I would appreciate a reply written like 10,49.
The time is 1,18
